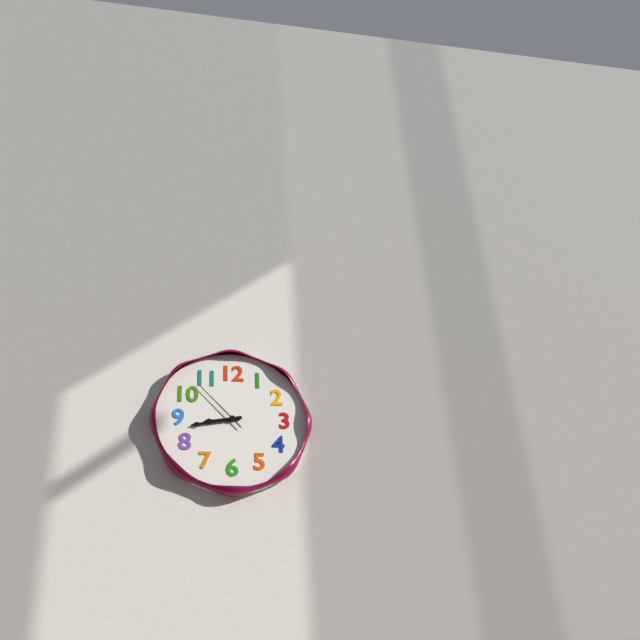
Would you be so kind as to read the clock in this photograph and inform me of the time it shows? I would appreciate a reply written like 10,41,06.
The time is 8,43,53
